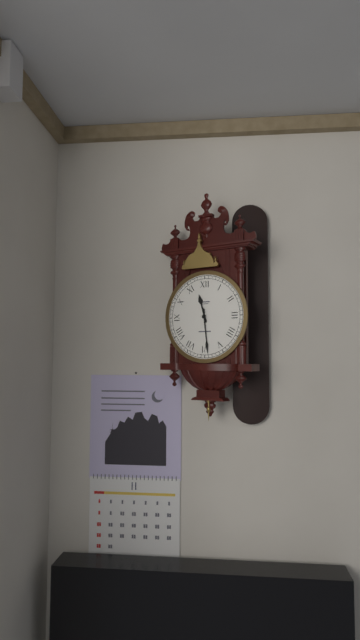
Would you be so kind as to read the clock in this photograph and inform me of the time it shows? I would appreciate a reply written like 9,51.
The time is 11,29
